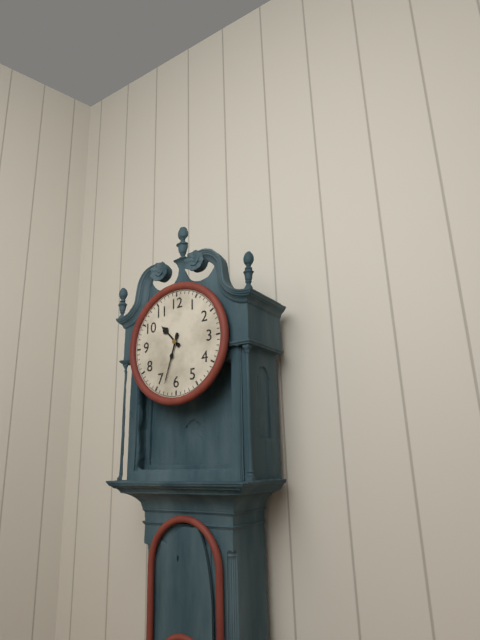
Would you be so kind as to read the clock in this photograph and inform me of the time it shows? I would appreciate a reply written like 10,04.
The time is 10,33
